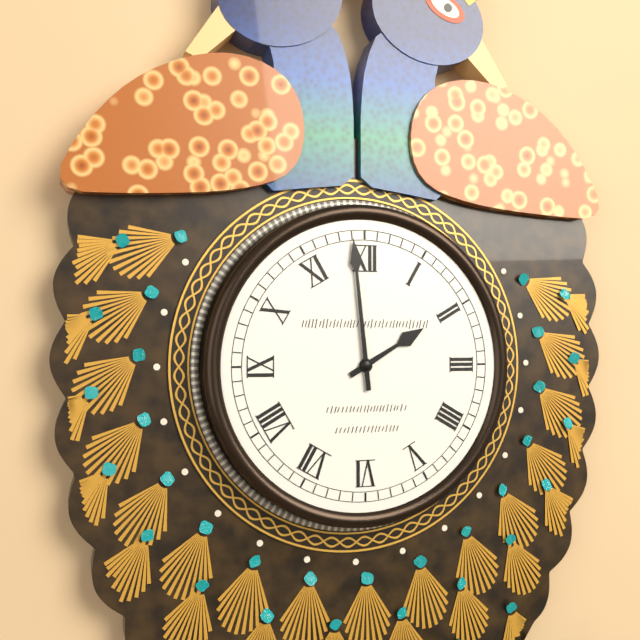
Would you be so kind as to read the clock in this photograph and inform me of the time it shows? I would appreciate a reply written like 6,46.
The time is 1,59
